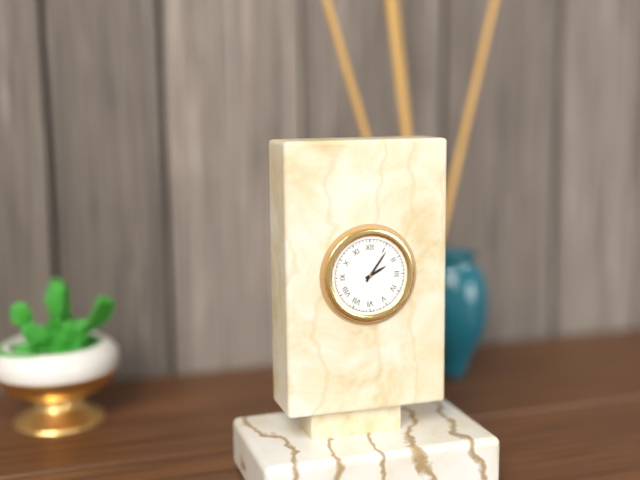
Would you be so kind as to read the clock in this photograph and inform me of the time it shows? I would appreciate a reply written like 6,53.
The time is 2,06
